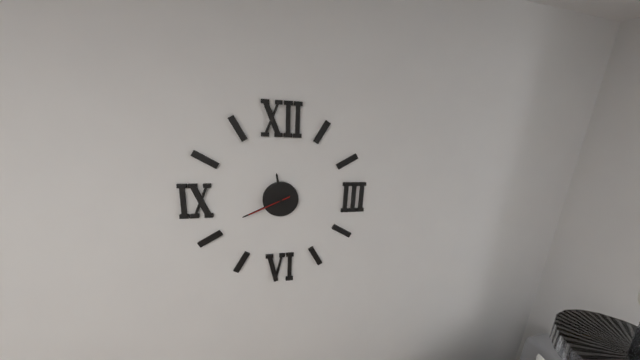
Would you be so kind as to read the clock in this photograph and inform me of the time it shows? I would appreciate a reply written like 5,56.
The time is 11,41
